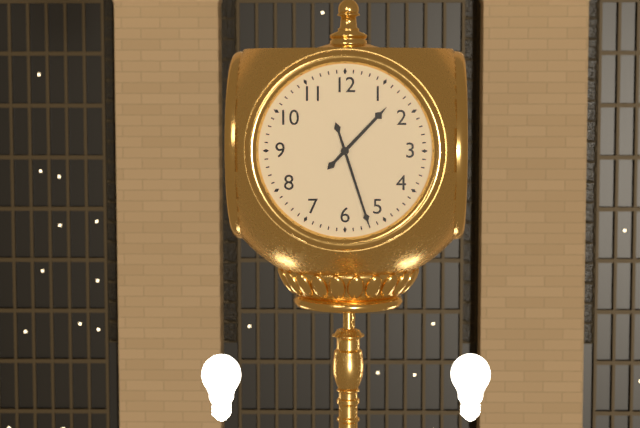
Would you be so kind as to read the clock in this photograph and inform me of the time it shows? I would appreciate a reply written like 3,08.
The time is 1,27
